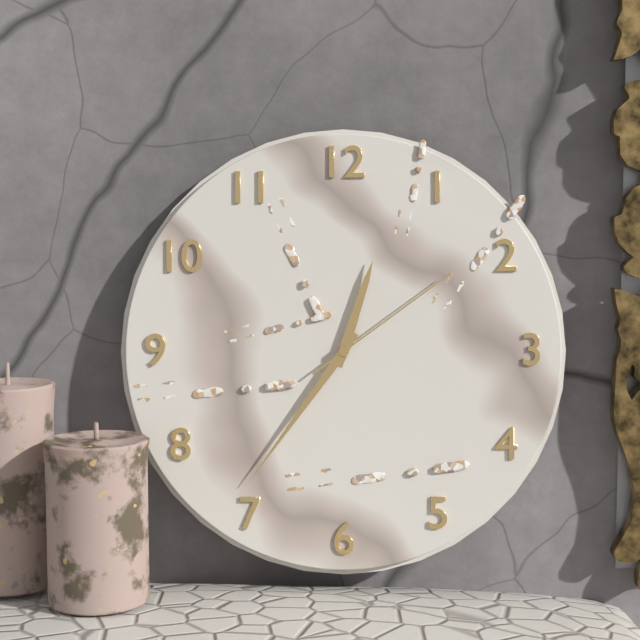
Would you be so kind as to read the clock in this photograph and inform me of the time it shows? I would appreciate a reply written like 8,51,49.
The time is 12,36,09
